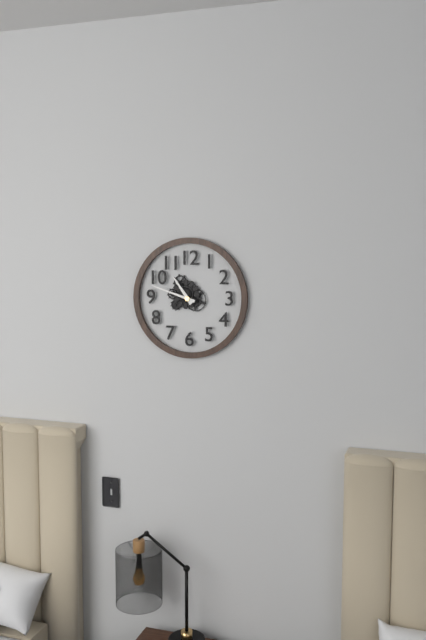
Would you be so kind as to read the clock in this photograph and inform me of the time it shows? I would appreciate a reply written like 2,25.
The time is 10,48
